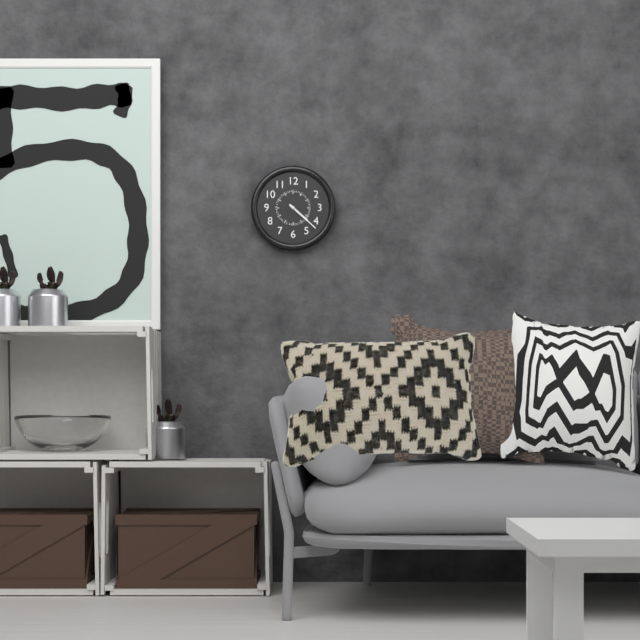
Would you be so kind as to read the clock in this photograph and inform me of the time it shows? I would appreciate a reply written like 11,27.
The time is 4,22
